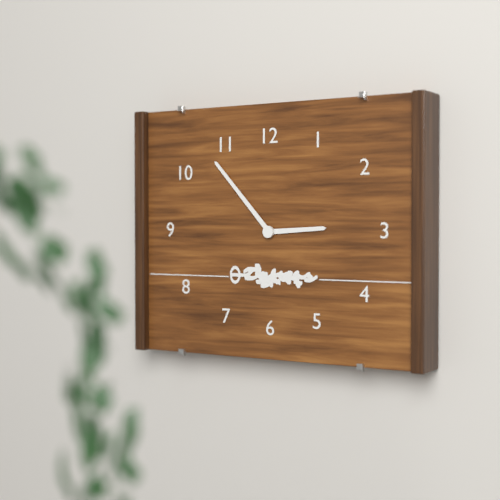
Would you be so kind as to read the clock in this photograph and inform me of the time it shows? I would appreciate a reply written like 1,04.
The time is 2,53
